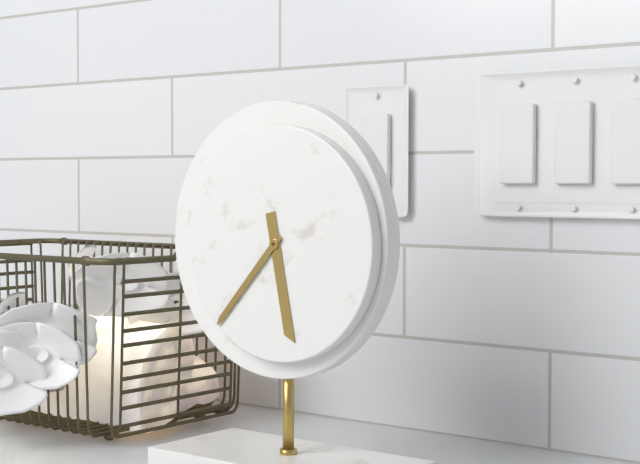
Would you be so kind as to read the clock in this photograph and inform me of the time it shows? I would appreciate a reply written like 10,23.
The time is 5,37
